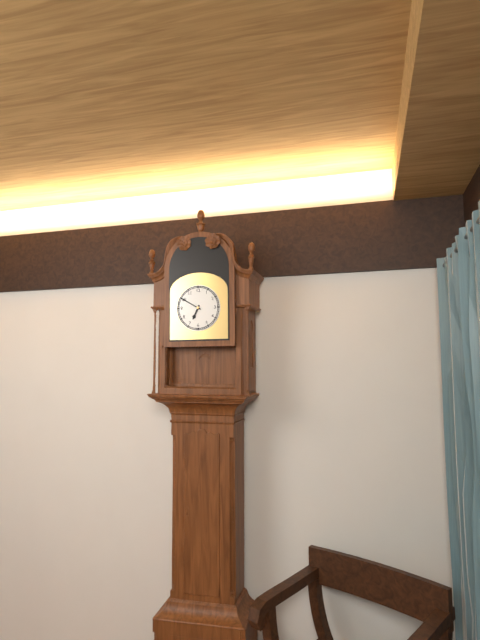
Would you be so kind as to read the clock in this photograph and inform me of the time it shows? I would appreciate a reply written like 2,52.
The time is 6,50
